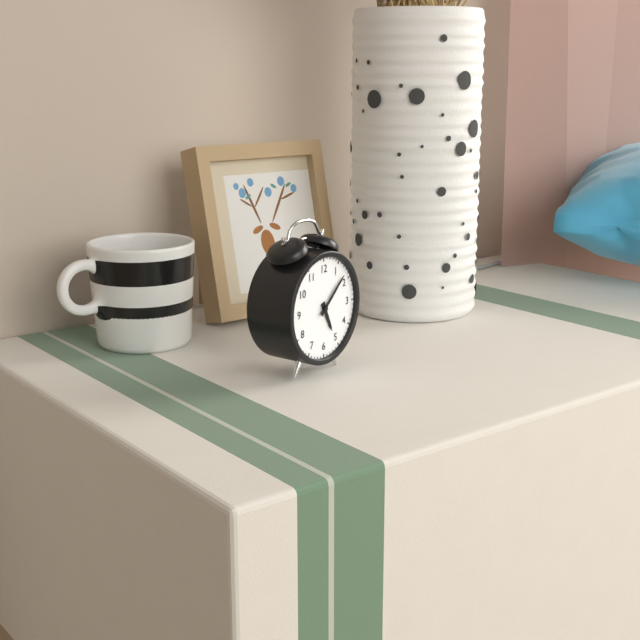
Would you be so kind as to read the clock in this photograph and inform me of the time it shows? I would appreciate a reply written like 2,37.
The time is 5,08
